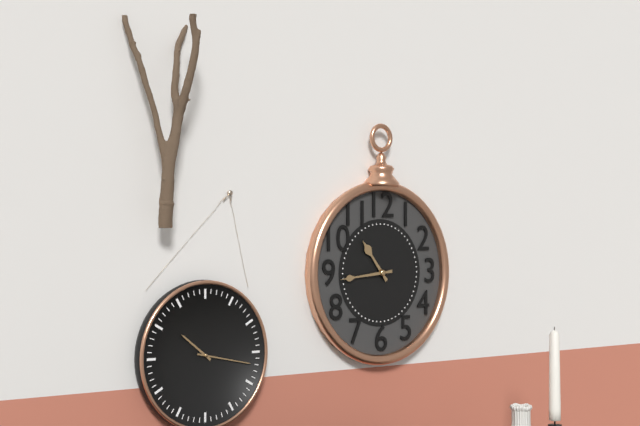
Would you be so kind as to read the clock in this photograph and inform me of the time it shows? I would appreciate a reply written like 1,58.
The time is 10,44
